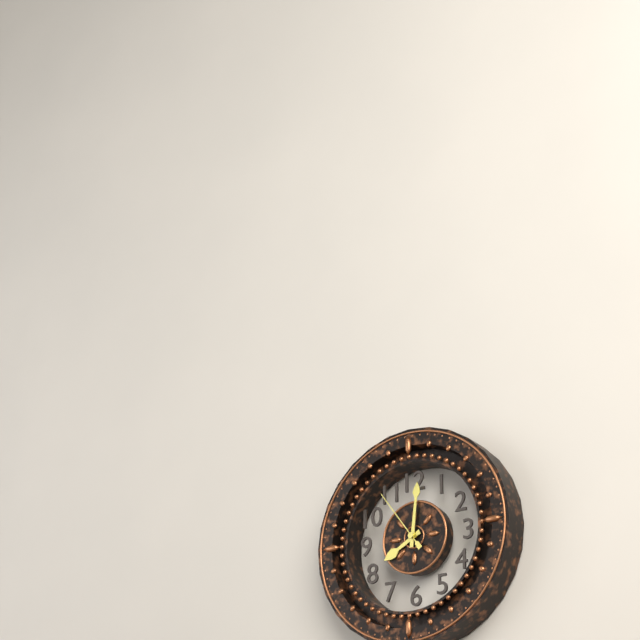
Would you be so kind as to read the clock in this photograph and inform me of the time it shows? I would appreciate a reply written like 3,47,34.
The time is 8,01,54
